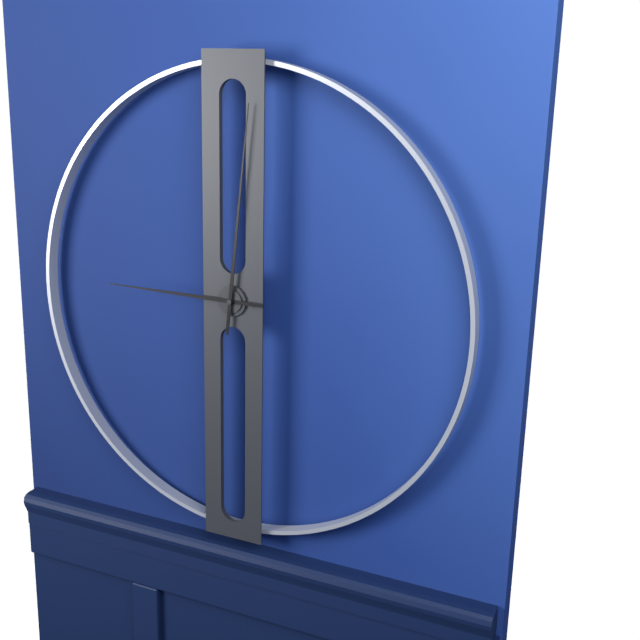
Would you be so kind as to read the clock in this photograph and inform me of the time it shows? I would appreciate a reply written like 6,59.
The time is 9,01
